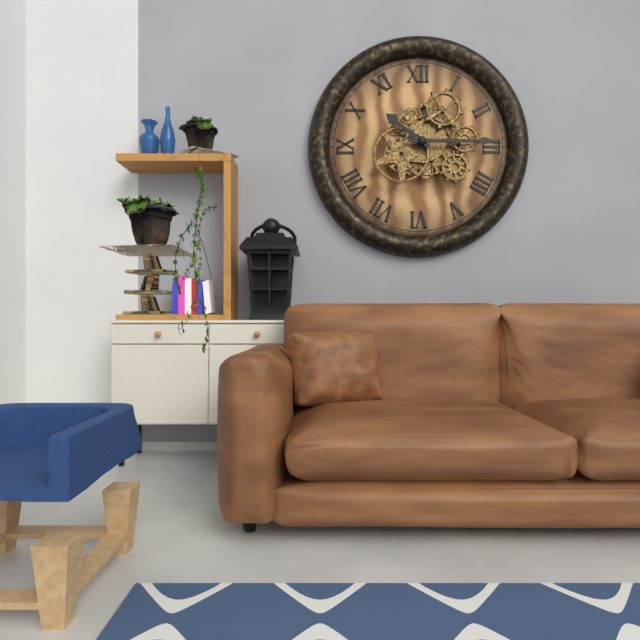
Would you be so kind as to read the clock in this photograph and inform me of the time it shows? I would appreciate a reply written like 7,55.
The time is 10,15
